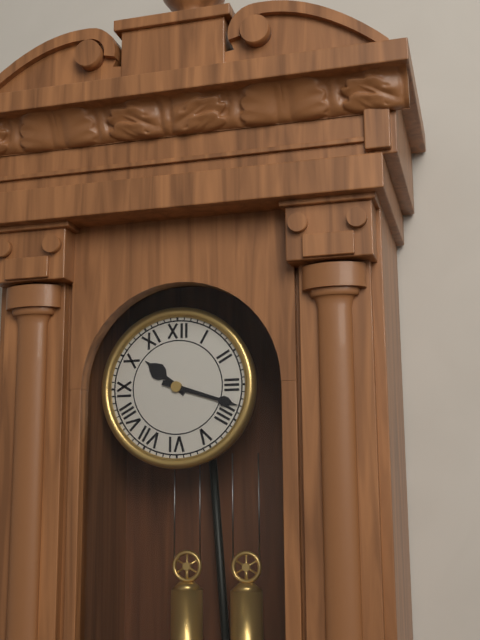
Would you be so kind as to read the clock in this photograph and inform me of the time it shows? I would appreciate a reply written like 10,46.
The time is 10,18
